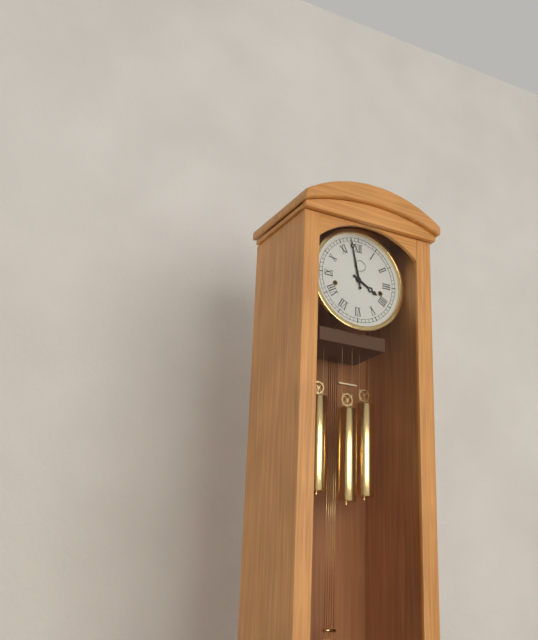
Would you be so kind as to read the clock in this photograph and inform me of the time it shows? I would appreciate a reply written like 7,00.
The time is 3,58
